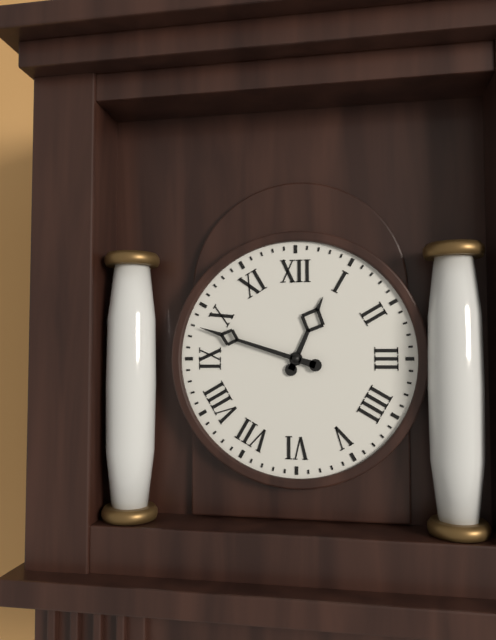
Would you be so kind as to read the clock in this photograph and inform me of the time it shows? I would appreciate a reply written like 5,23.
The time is 12,48
